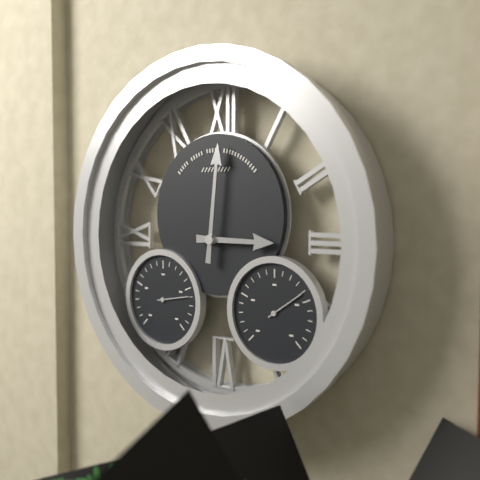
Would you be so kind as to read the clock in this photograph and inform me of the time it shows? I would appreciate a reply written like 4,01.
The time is 3,01
